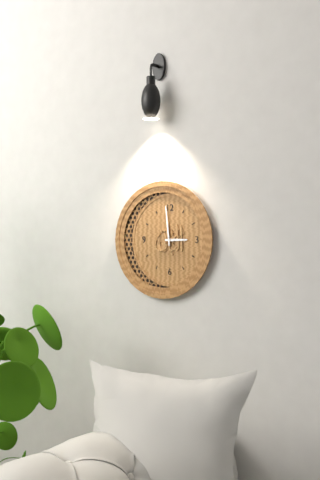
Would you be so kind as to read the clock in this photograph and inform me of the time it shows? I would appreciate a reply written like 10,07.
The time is 2,59
